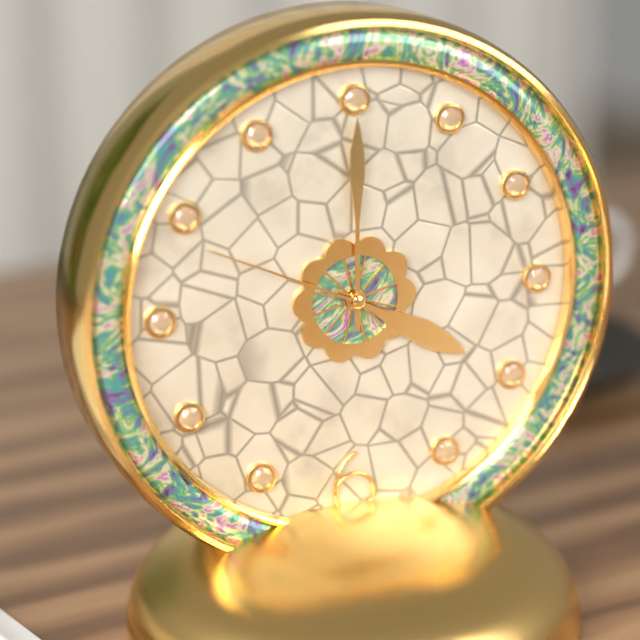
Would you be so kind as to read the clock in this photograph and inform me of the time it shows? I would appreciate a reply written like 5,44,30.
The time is 4,00,49
